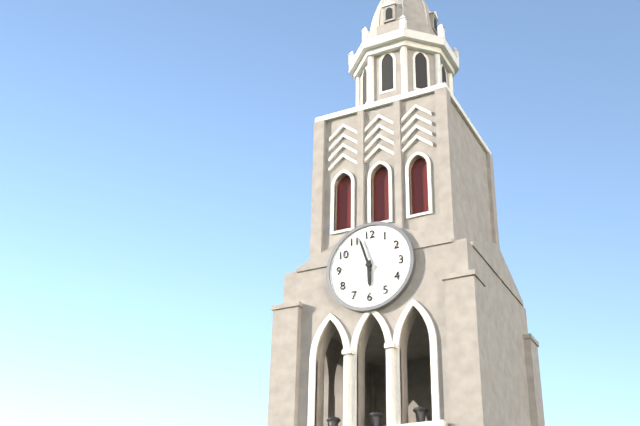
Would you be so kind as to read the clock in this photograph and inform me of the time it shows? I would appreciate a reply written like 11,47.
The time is 5,57
